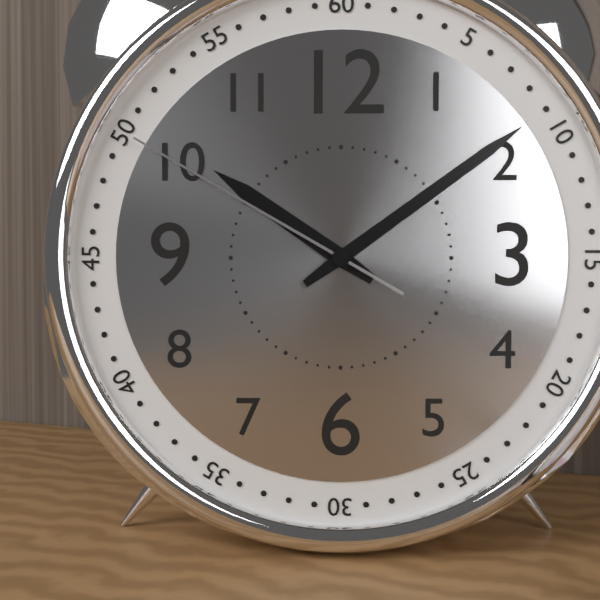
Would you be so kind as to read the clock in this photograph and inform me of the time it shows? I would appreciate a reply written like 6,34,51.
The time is 10,09,50
